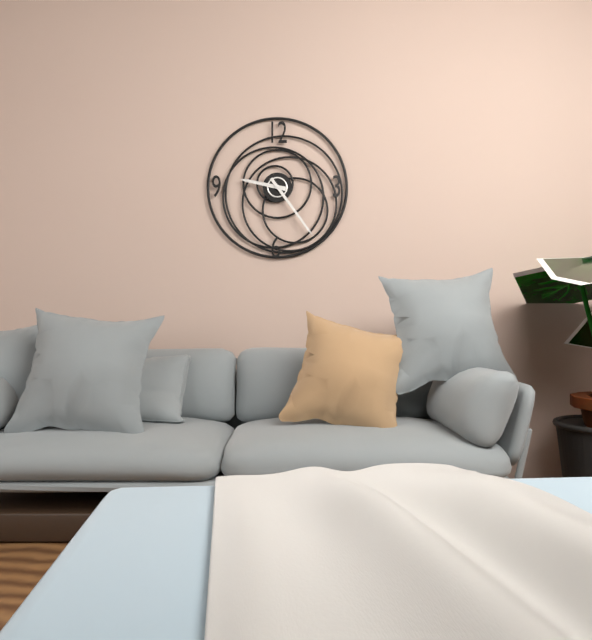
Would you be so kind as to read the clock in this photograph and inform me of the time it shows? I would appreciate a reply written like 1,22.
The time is 9,24
